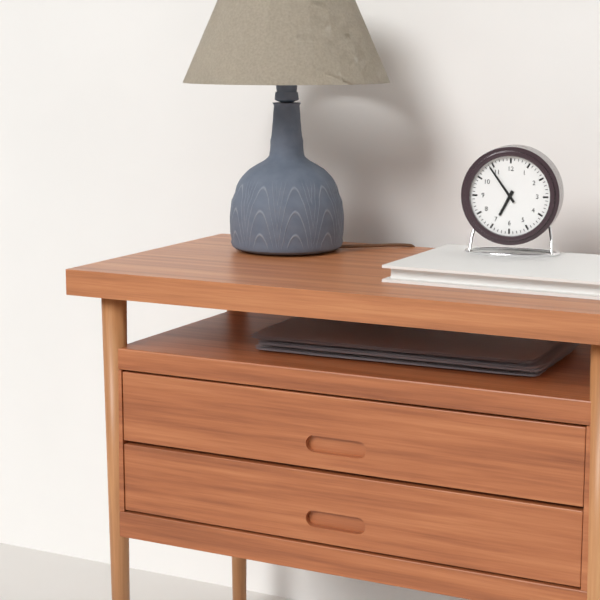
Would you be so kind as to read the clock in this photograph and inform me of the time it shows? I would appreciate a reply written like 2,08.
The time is 6,54
